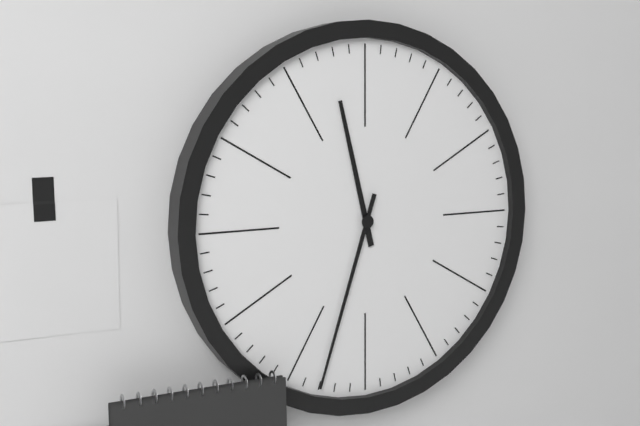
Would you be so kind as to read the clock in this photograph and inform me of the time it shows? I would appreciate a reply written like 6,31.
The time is 11,33
